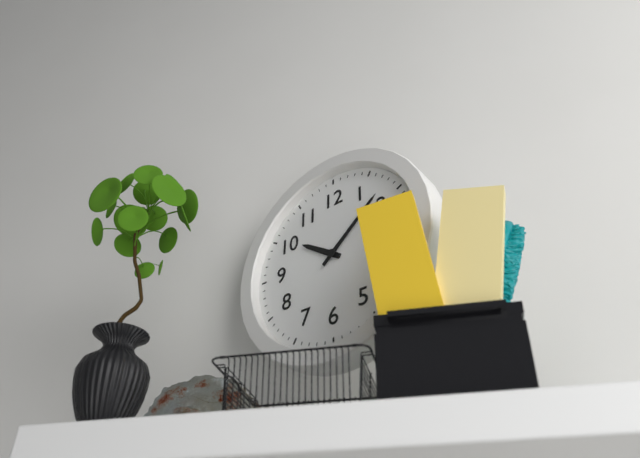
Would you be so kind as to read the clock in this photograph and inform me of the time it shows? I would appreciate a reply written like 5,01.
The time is 10,08
